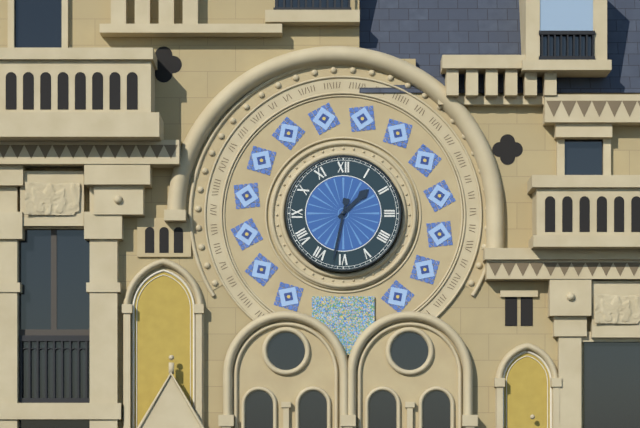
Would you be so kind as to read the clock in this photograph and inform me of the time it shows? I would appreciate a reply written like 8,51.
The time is 1,32
